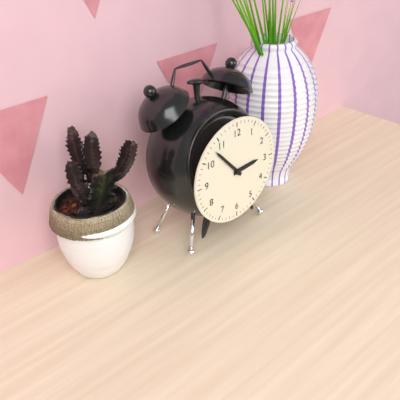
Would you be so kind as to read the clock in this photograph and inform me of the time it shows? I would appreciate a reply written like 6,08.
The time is 2,53
